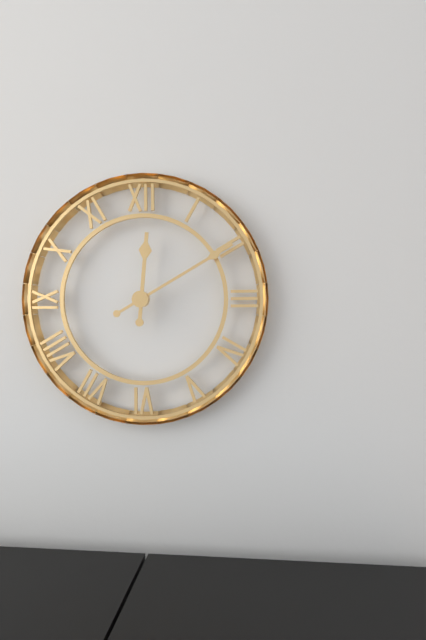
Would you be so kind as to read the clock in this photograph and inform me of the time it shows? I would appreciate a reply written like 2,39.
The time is 12,10
